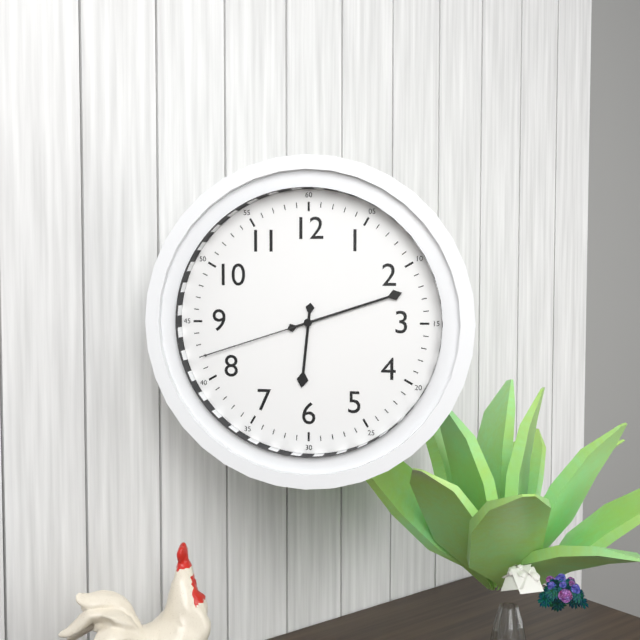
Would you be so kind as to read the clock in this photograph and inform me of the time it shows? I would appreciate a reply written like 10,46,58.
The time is 6,12,42
